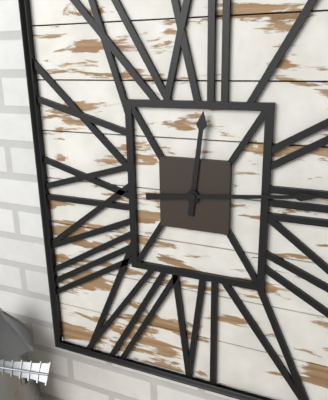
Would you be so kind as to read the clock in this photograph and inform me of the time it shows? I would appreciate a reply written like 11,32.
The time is 12,14
